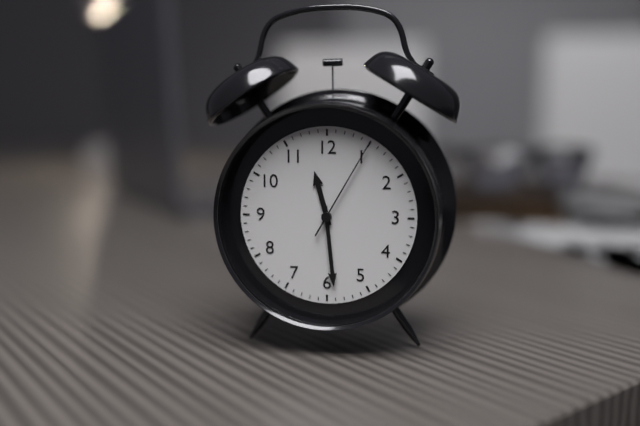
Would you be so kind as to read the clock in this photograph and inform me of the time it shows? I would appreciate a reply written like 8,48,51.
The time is 11,29,05
